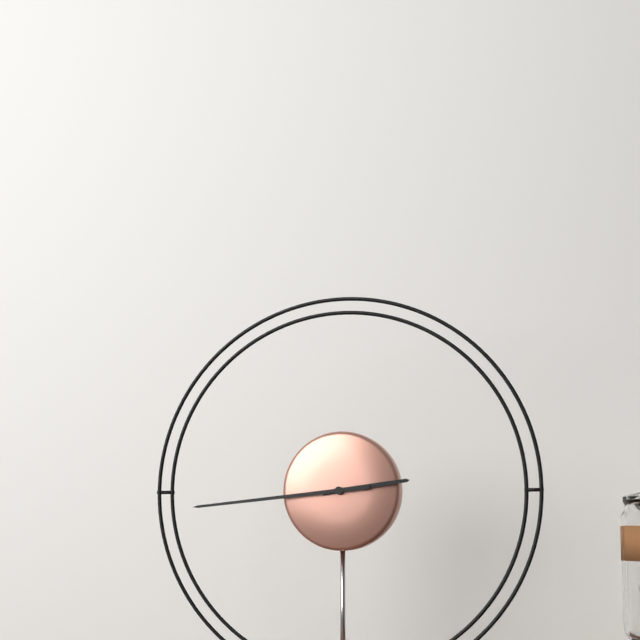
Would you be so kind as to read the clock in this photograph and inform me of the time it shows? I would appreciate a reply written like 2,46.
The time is 2,44
